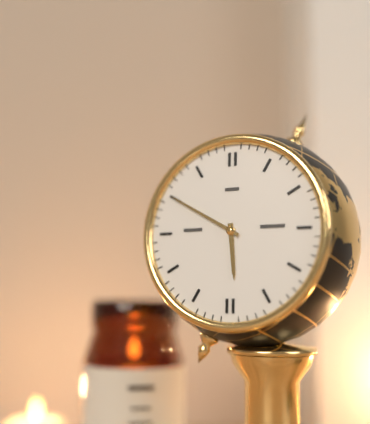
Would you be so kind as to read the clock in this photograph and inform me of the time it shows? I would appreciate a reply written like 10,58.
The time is 5,50
